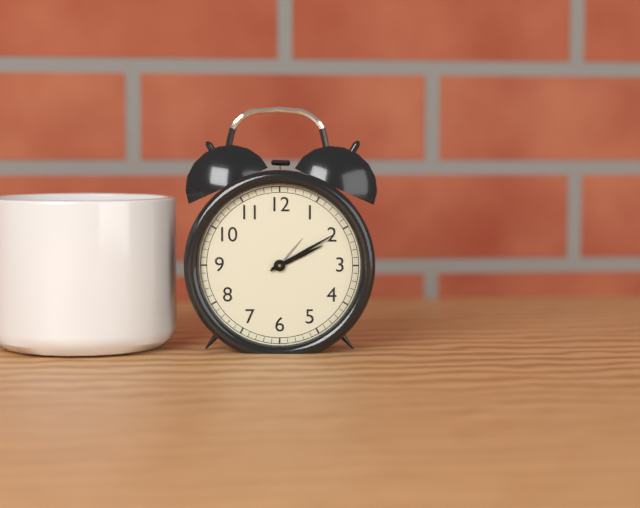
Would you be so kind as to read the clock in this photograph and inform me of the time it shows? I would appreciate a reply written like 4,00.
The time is 2,10
